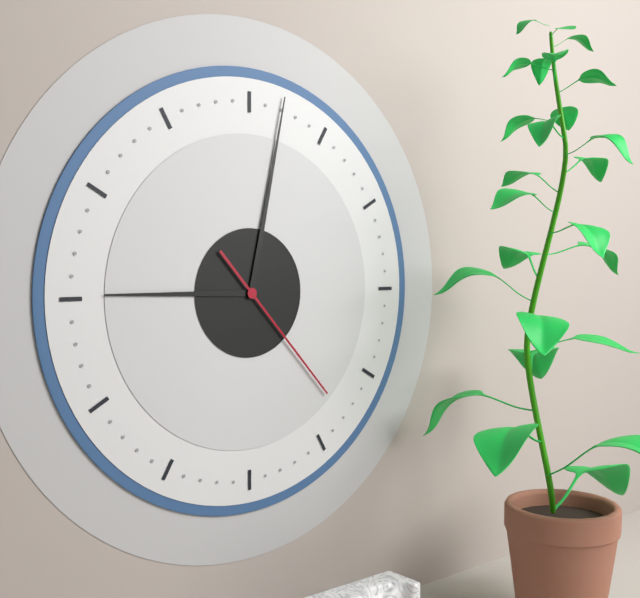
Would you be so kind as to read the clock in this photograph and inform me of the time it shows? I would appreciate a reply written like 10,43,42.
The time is 9,02,23
